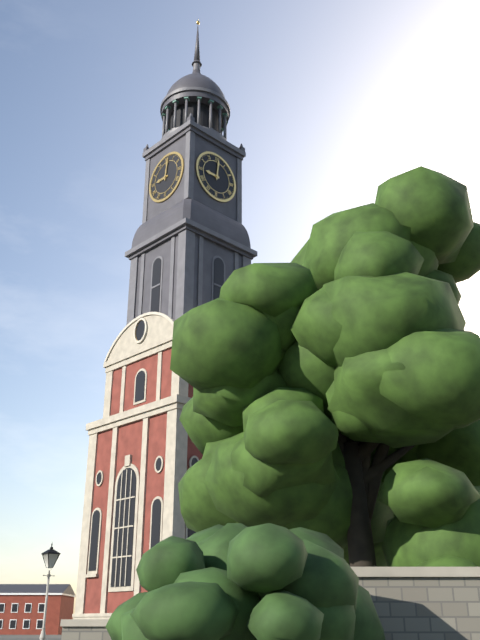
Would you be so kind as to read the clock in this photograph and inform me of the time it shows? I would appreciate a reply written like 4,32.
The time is 9,01
